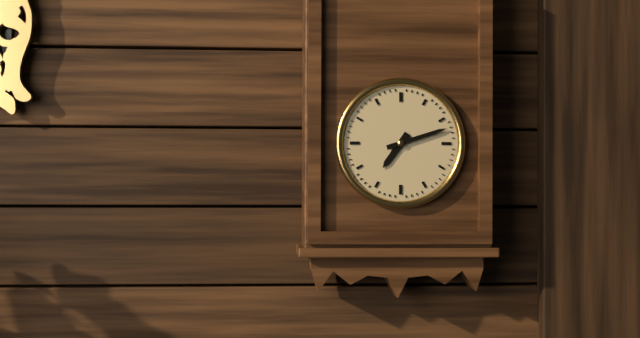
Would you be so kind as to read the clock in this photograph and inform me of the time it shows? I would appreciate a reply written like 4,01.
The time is 7,12
